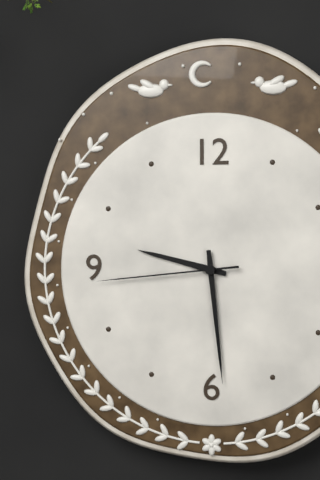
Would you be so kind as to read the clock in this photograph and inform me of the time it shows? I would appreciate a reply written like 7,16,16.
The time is 9,29,44
